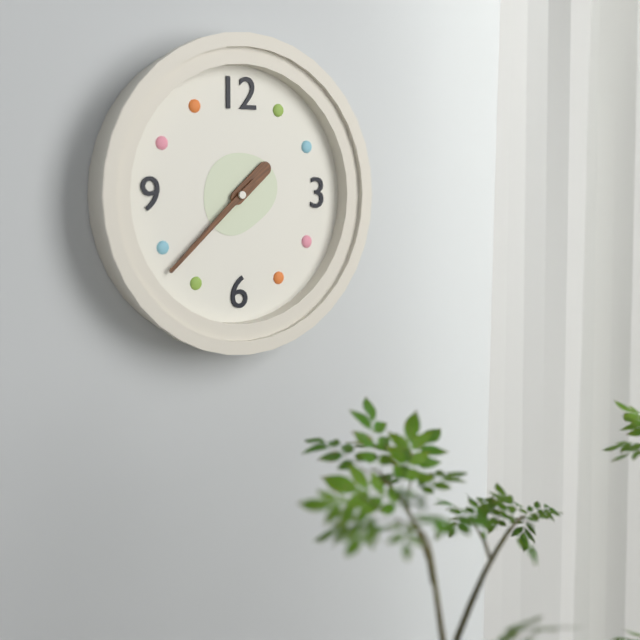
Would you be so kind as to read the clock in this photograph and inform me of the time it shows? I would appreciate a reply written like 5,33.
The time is 1,38
